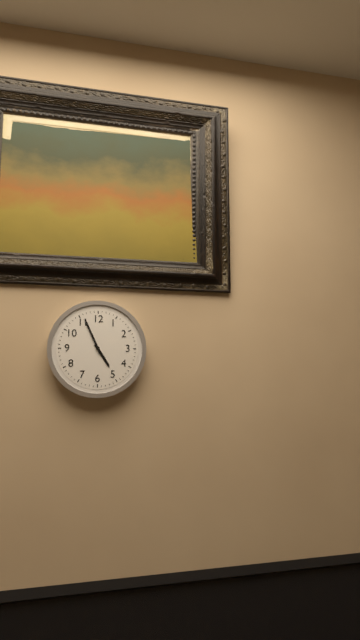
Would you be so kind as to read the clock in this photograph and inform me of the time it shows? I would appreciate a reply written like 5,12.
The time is 4,56
